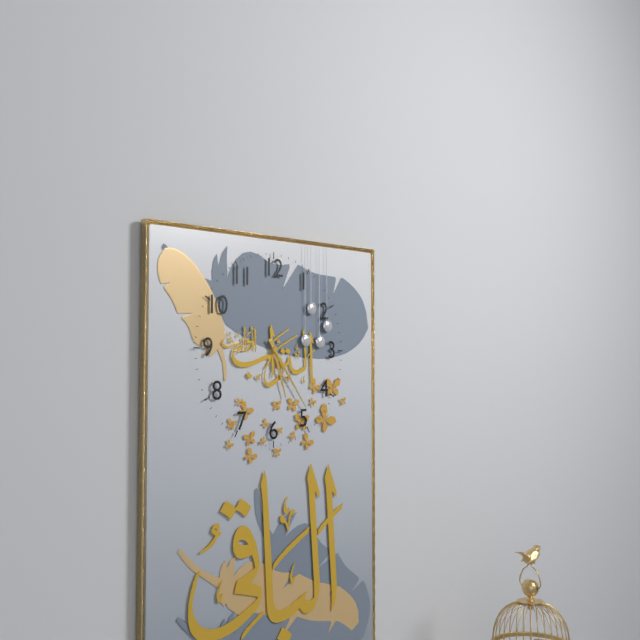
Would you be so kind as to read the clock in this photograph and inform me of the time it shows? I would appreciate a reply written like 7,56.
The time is 5,24
